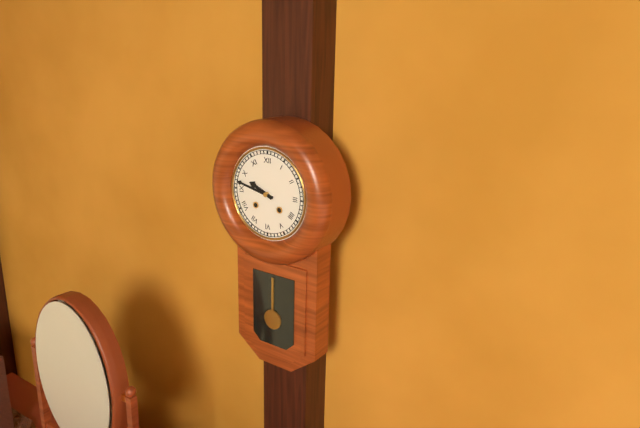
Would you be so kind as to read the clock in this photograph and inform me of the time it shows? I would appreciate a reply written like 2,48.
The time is 9,47
